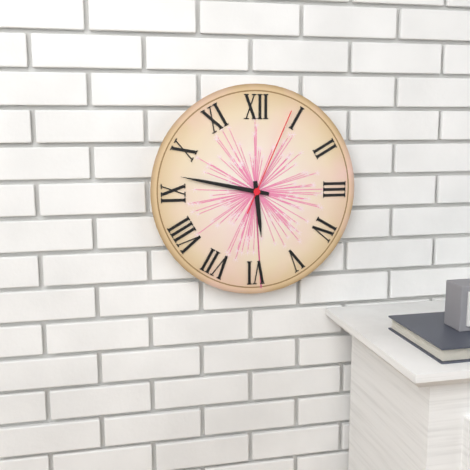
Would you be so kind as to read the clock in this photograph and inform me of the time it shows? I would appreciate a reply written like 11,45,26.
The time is 5,47,04
